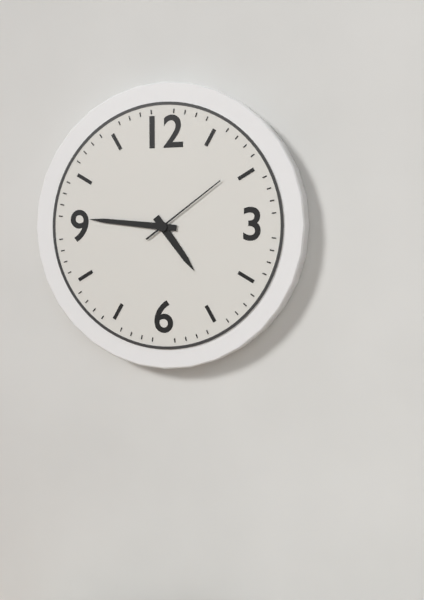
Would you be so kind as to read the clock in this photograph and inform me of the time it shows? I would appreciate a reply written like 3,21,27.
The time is 4,46,09
